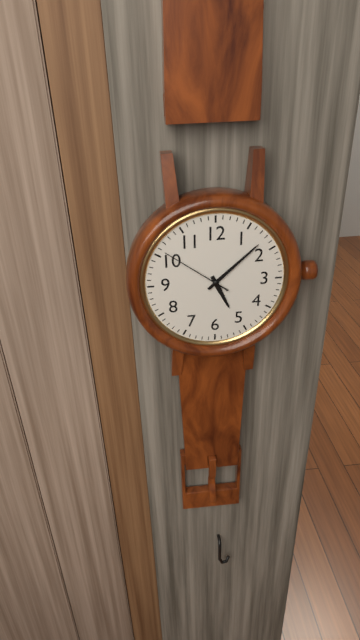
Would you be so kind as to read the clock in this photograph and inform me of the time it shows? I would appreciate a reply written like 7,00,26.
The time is 5,08,51
